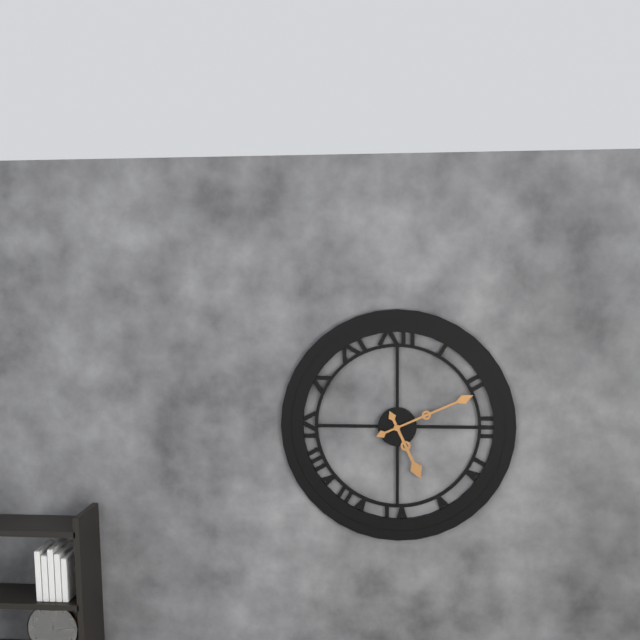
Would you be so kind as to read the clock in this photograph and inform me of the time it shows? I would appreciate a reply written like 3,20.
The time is 5,11
